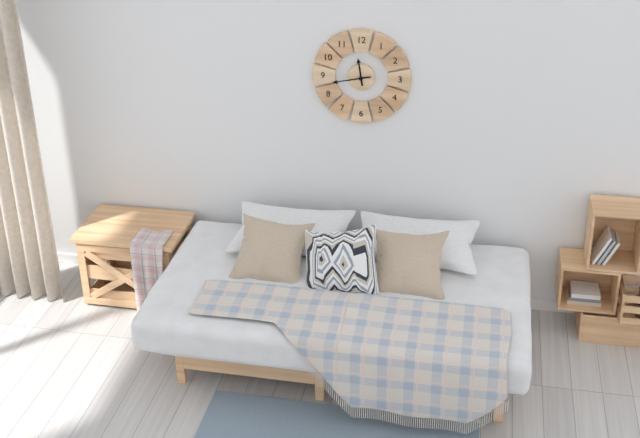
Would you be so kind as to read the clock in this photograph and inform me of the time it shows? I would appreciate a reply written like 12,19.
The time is 11,43
